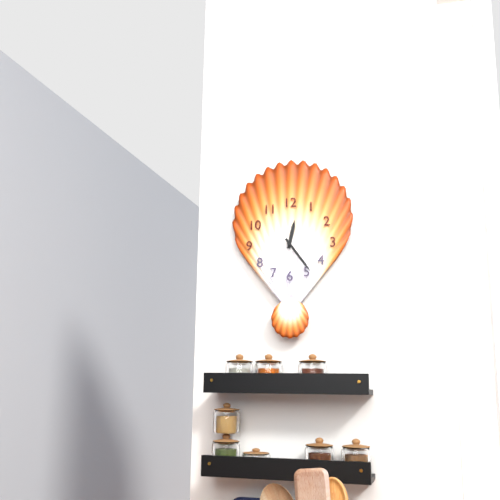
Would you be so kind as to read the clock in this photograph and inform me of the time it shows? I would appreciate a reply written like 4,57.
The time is 12,24
